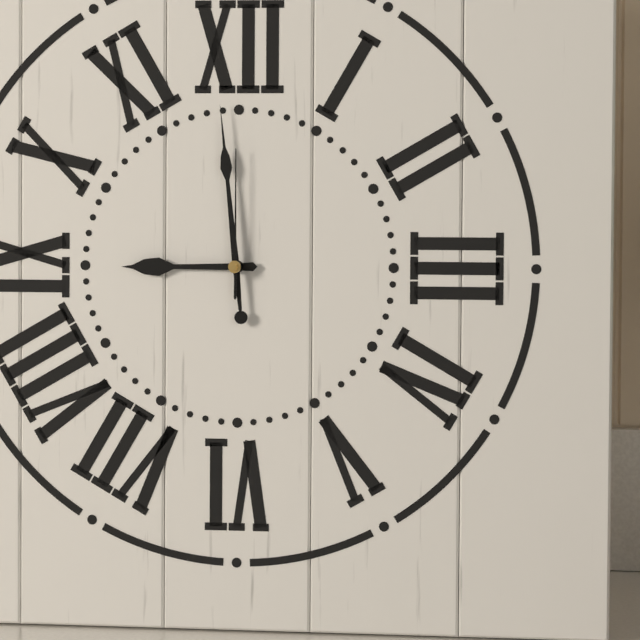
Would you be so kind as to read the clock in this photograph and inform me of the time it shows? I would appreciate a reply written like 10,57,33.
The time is 8,59,00
